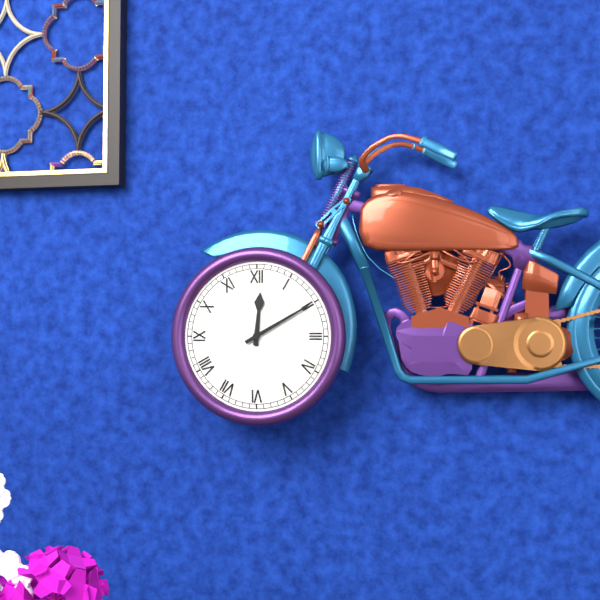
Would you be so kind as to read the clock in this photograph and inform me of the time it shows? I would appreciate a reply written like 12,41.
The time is 12,10
